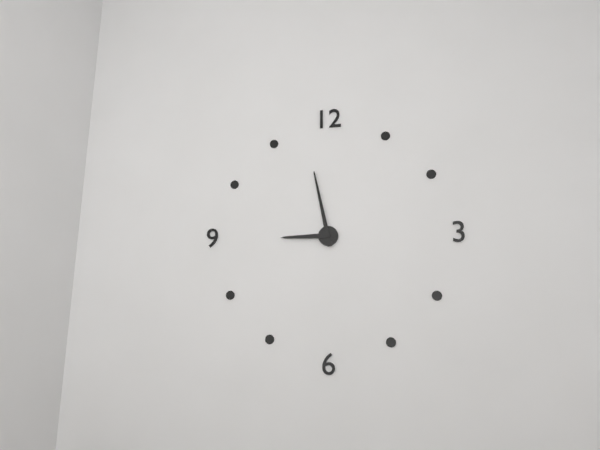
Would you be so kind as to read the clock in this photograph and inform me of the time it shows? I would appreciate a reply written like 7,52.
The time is 8,58
